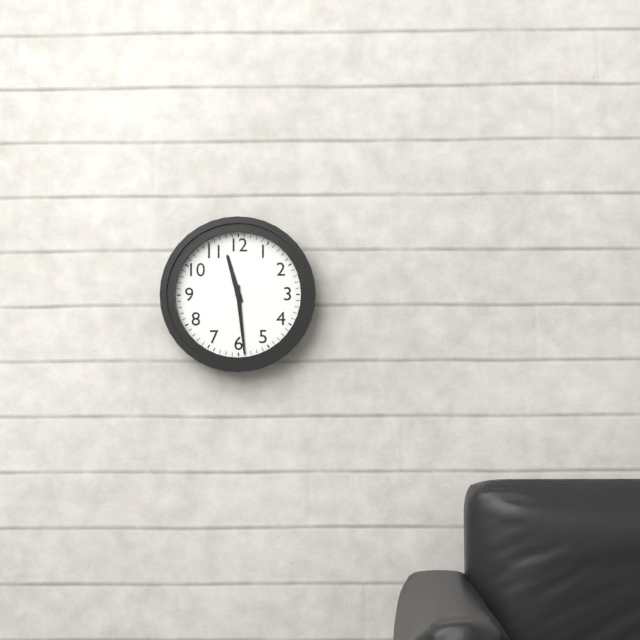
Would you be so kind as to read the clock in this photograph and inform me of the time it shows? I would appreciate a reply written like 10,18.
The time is 11,29
